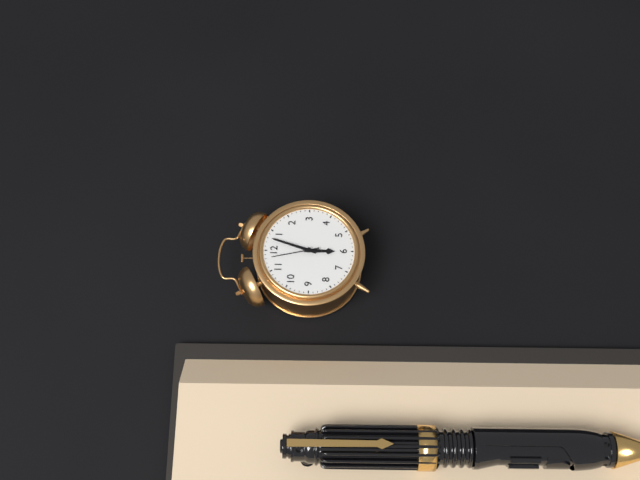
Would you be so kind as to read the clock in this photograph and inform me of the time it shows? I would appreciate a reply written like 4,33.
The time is 6,03
